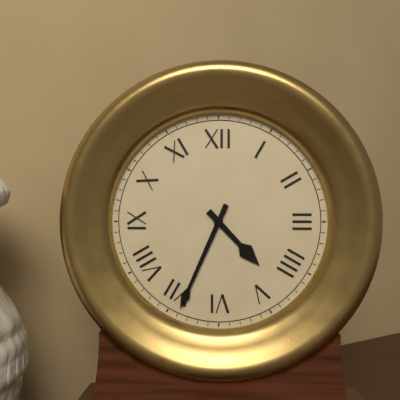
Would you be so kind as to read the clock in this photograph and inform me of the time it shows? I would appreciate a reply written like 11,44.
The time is 4,34
